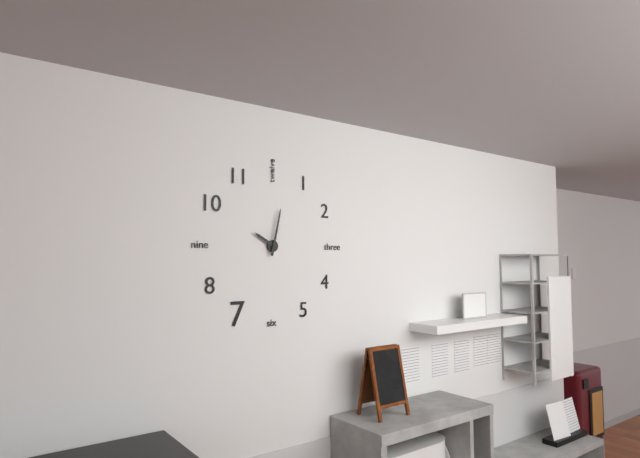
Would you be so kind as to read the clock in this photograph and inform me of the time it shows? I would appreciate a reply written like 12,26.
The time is 10,02
